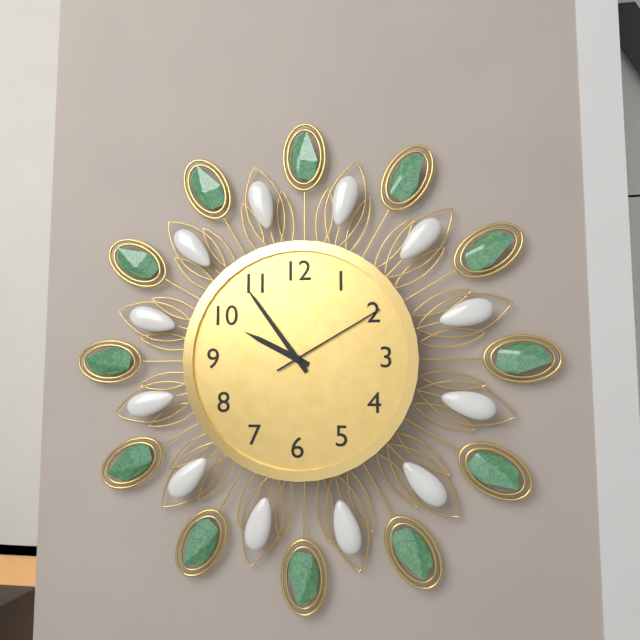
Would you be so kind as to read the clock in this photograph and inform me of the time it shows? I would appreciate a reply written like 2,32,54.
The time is 9,54,10
